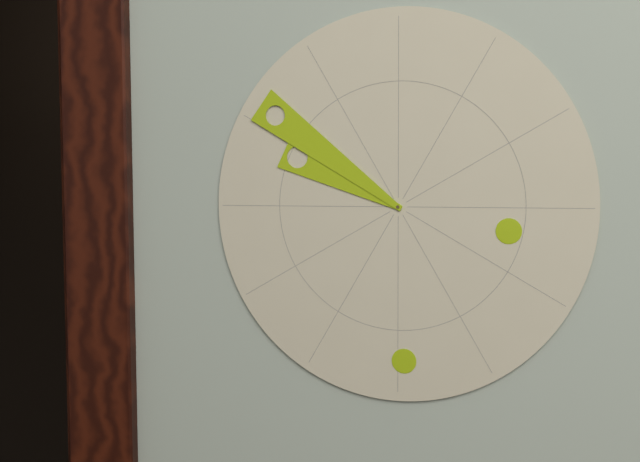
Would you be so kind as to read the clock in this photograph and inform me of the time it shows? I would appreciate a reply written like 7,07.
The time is 9,51
